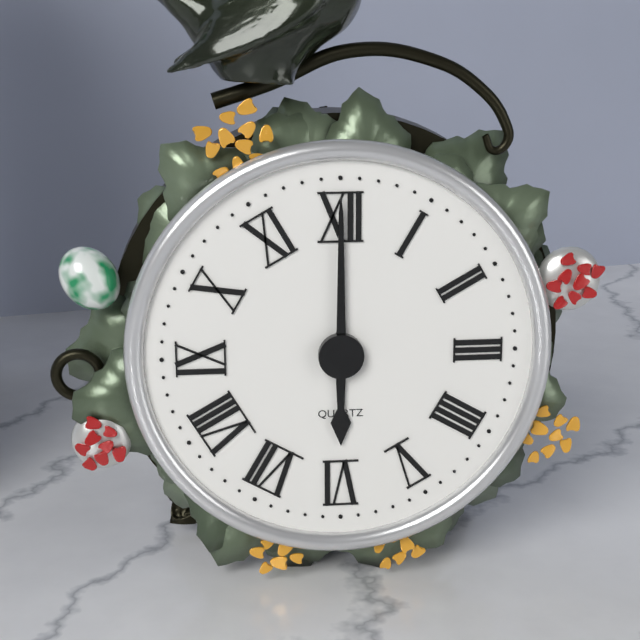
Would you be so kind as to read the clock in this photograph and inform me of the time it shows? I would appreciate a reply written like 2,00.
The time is 6,00
